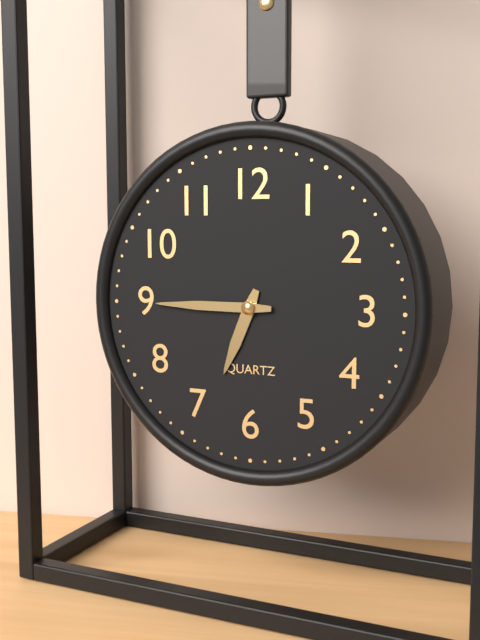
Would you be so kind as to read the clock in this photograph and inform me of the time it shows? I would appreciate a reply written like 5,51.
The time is 6,45
